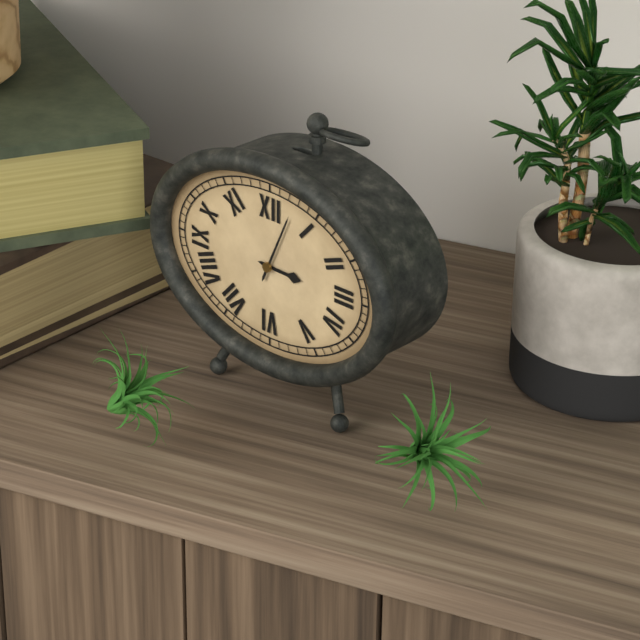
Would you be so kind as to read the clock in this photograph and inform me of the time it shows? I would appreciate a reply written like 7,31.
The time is 3,04
